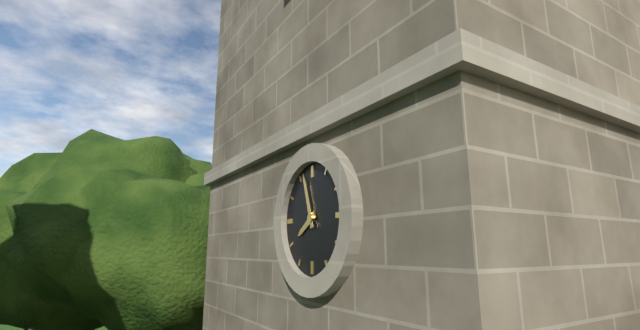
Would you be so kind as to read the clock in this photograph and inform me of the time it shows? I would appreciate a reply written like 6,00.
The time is 7,57
